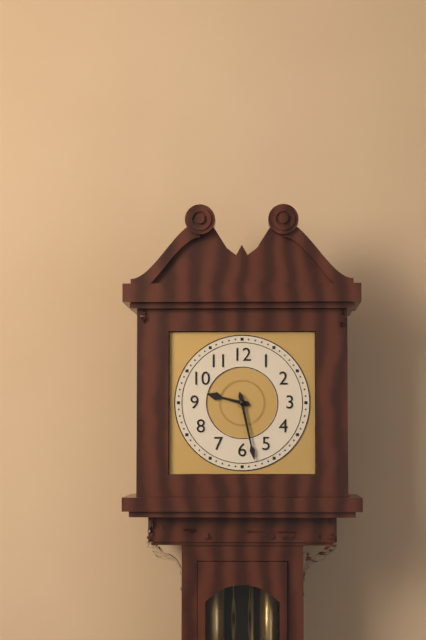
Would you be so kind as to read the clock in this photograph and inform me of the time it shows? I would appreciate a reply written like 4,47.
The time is 9,28
